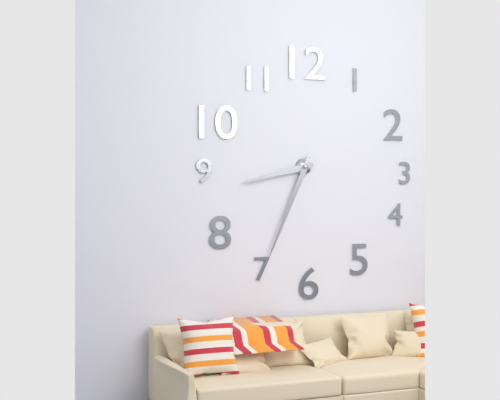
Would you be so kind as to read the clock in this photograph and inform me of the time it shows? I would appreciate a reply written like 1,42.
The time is 8,34
